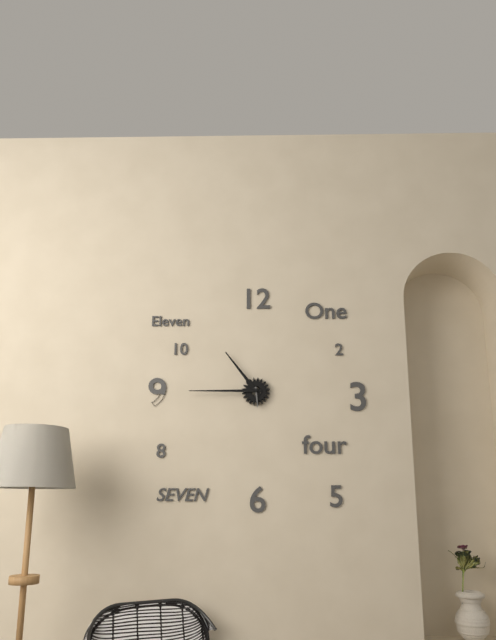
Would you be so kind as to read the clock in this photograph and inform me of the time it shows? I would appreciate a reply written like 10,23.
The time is 10,45
